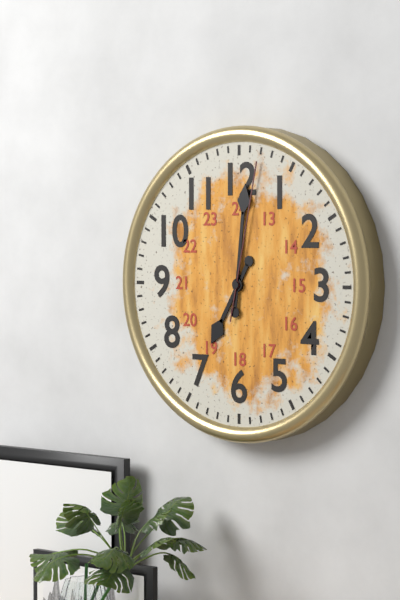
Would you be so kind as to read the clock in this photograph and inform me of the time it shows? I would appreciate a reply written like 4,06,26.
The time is 7,01,02
